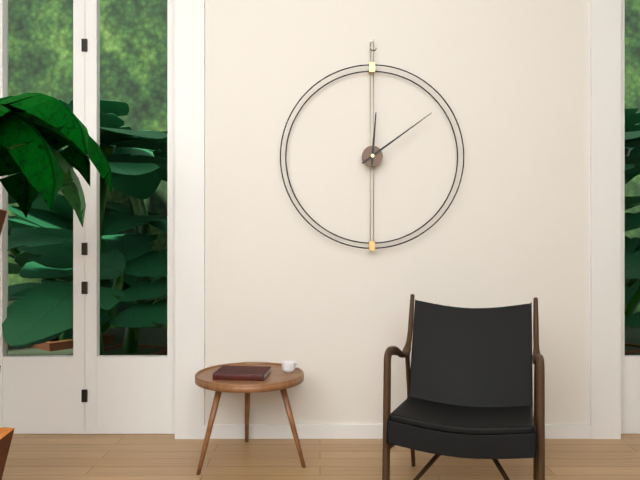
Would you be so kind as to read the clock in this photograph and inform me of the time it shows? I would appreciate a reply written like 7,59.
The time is 12,09
